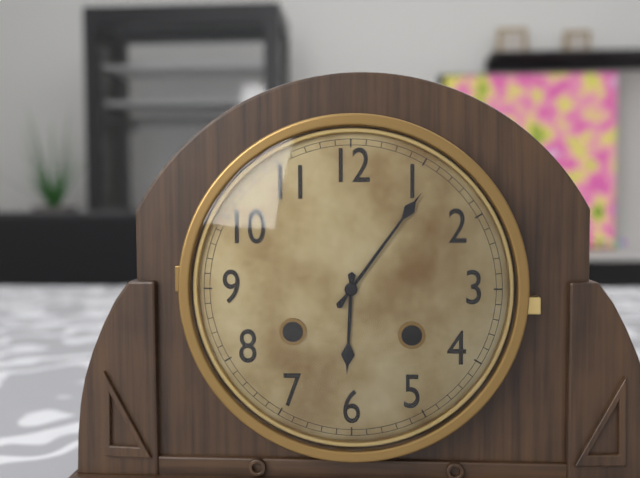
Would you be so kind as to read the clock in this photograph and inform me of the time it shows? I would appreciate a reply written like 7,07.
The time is 6,06
